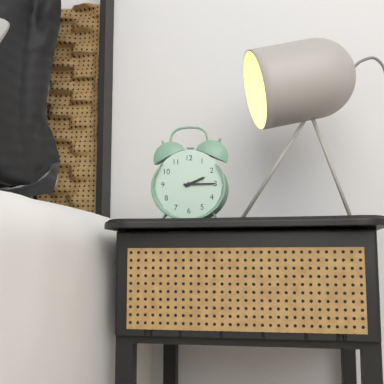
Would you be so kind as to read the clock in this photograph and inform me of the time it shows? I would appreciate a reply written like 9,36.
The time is 2,15
